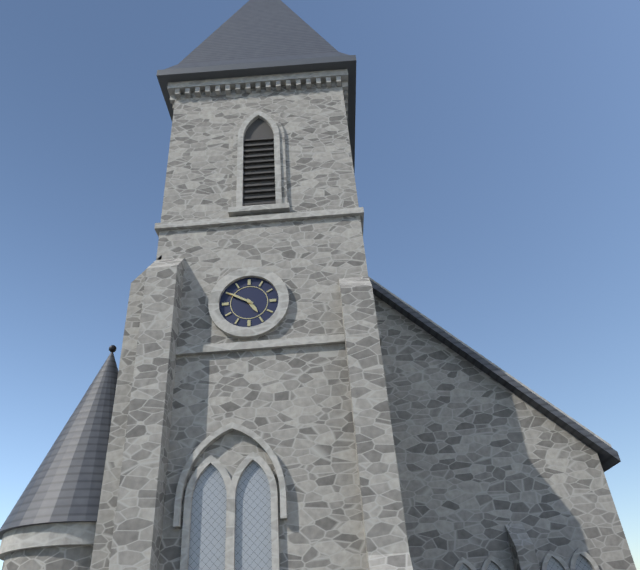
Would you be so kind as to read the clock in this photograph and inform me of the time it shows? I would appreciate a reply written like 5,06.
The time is 4,50
